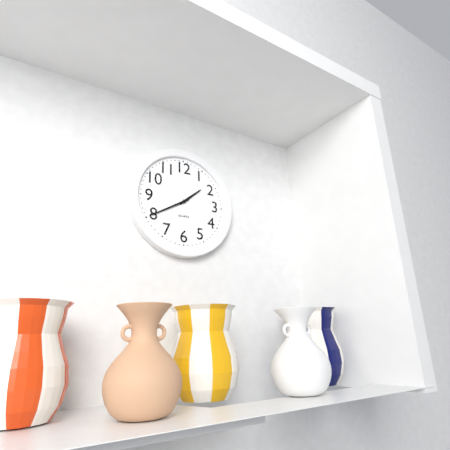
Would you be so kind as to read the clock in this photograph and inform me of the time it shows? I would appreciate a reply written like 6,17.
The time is 1,40
